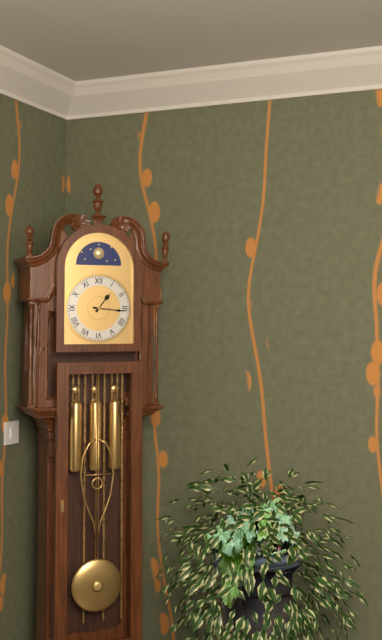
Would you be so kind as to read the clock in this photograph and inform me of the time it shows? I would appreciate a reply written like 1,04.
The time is 1,16
